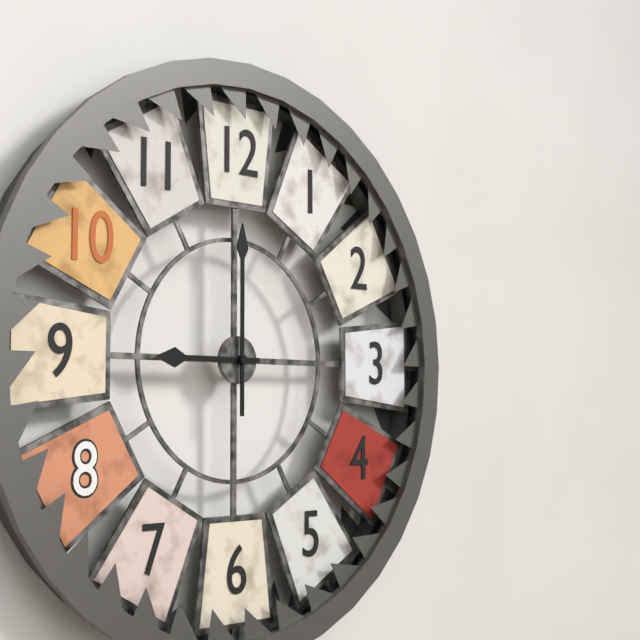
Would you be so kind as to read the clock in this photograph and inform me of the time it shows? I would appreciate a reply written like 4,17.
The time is 9,00
